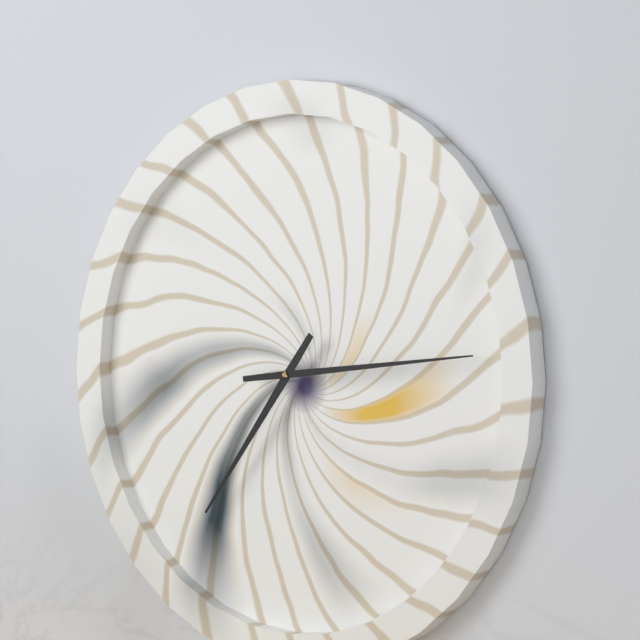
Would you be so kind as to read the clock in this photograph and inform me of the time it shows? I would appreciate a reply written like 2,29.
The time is 7,14
